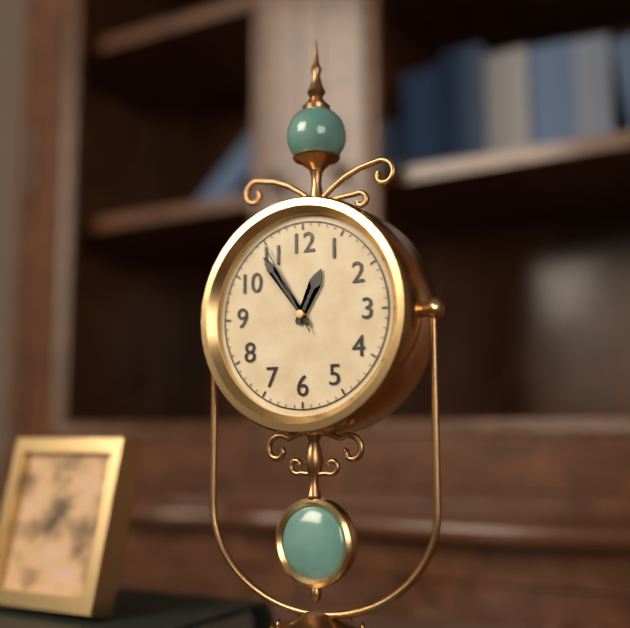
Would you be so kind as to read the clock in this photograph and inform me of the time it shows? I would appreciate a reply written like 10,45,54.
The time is 12,54,55
